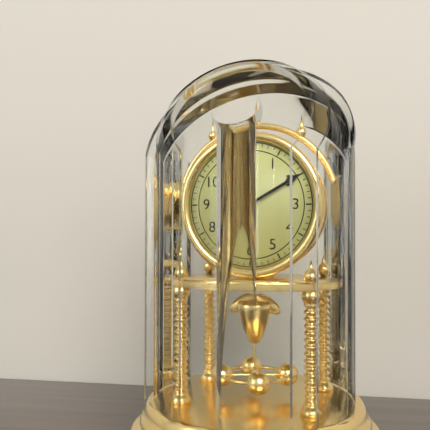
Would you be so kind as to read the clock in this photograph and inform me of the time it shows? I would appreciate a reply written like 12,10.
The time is 11,10
